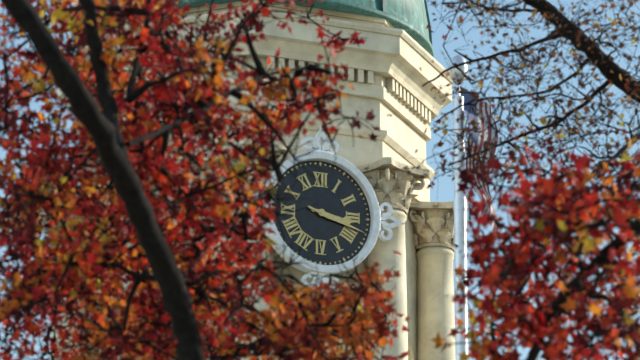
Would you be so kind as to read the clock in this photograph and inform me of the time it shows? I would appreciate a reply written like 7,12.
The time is 3,18
